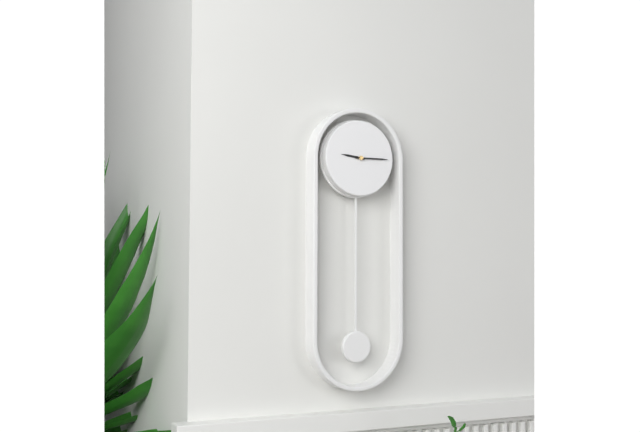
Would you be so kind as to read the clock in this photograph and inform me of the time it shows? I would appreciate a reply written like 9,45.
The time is 9,15
